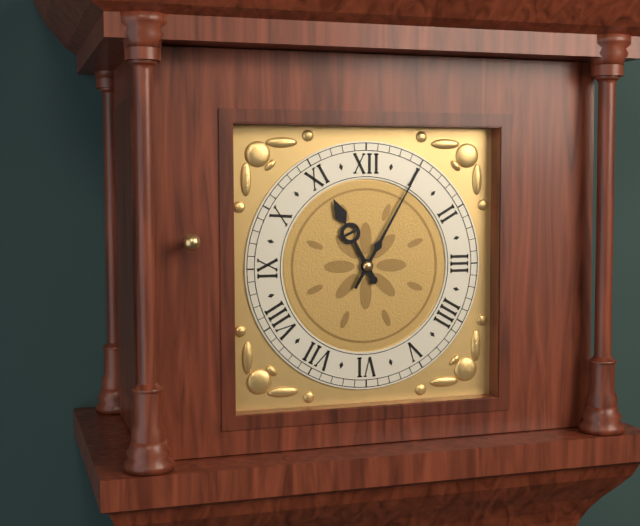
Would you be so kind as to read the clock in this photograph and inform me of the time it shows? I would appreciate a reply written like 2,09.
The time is 11,05
